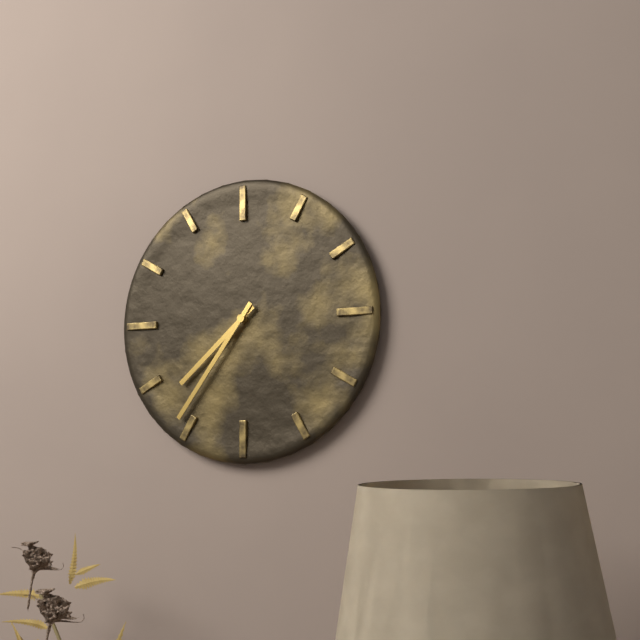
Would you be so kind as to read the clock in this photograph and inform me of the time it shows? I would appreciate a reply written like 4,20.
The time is 7,36
